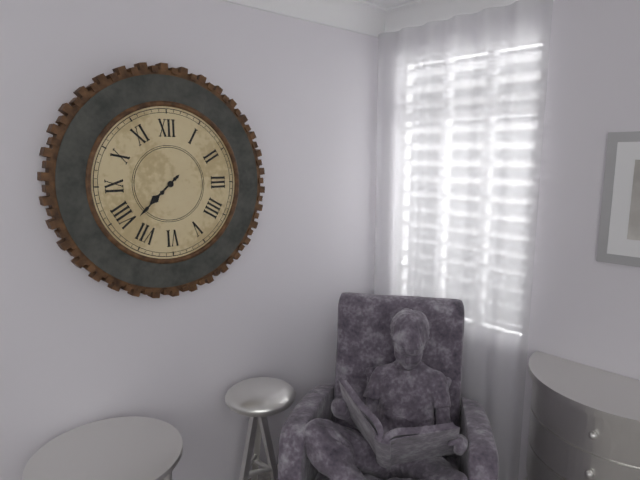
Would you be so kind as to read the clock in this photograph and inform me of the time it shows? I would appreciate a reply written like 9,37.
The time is 7,38
